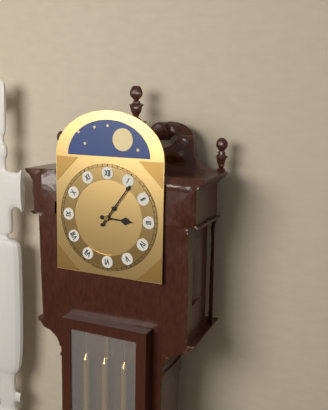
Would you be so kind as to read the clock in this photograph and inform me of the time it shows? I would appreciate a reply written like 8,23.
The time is 3,06
